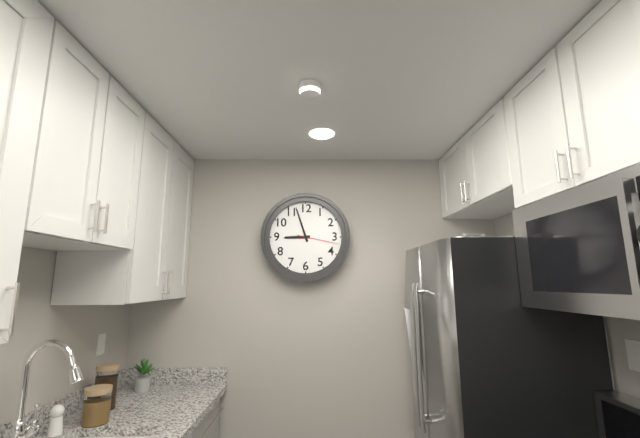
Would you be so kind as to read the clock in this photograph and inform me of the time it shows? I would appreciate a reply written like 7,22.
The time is 8,57
